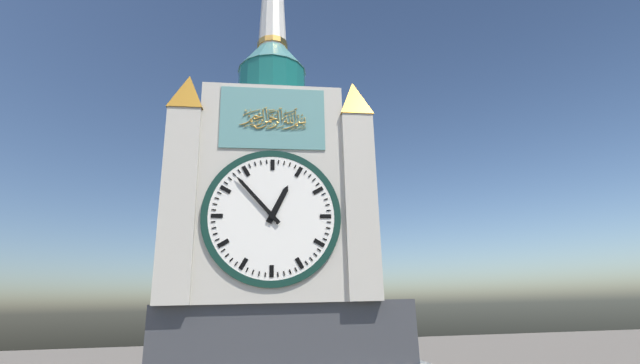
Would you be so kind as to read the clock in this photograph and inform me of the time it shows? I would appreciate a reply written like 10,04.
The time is 12,53
